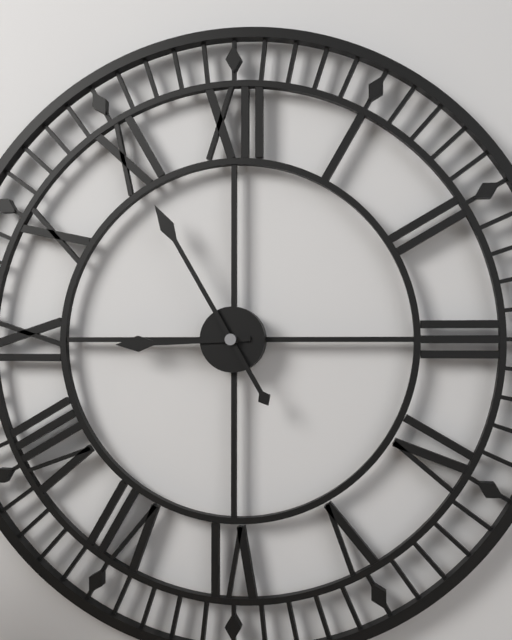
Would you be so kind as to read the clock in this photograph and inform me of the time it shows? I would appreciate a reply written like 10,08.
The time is 8,55
